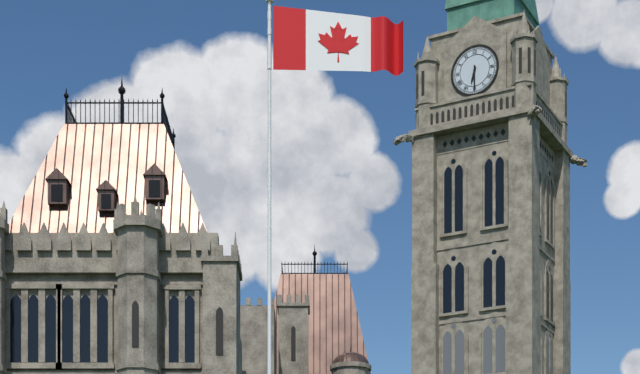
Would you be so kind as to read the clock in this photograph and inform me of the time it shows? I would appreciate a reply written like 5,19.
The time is 6,30
